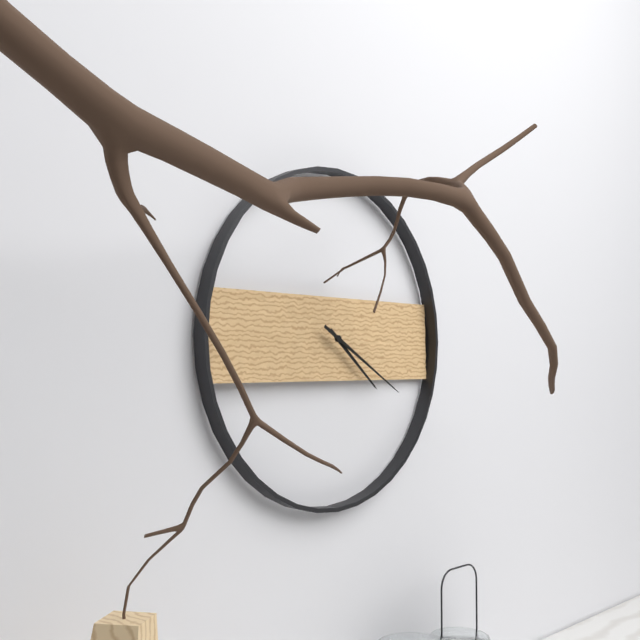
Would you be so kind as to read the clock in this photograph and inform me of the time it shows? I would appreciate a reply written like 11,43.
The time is 4,20
